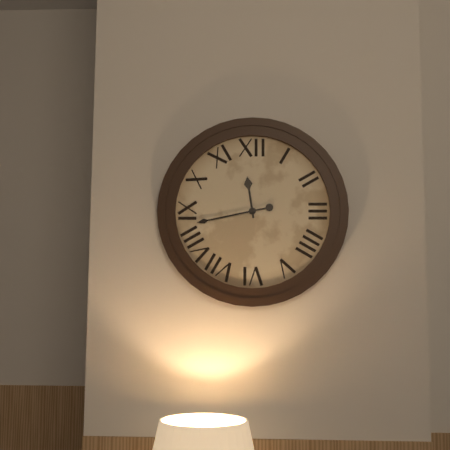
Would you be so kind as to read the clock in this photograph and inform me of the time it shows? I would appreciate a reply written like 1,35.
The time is 11,43
